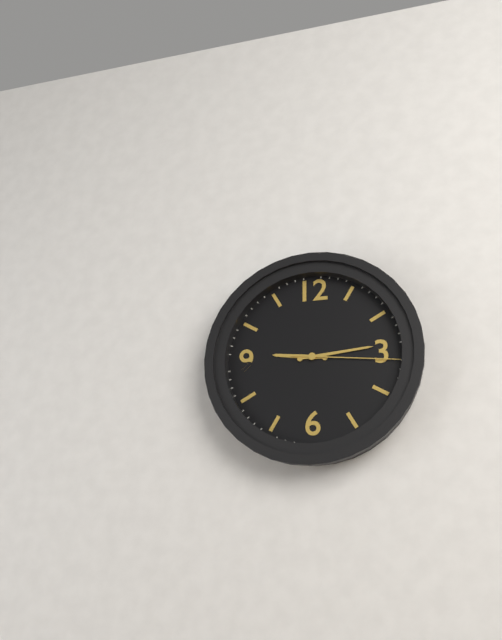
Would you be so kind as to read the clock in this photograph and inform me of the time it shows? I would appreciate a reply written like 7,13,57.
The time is 9,14,16
